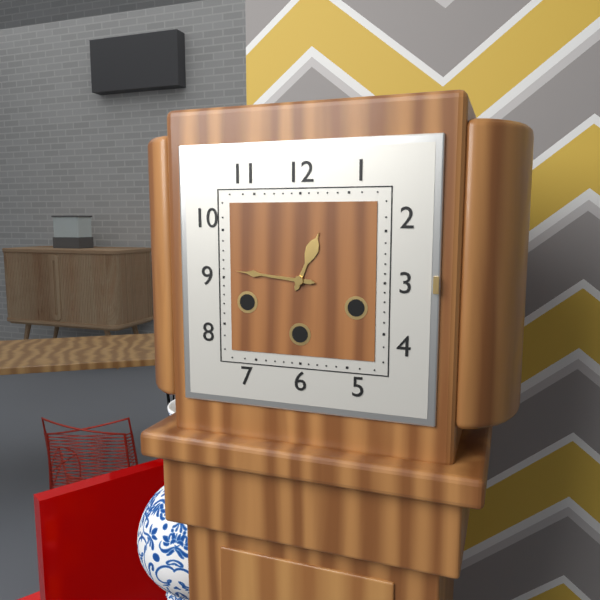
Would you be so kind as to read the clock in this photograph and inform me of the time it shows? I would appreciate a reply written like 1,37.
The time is 12,46
